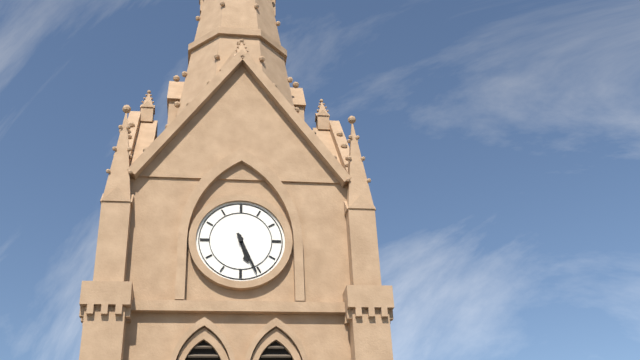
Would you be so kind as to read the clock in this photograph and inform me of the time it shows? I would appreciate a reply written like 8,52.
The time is 5,26
